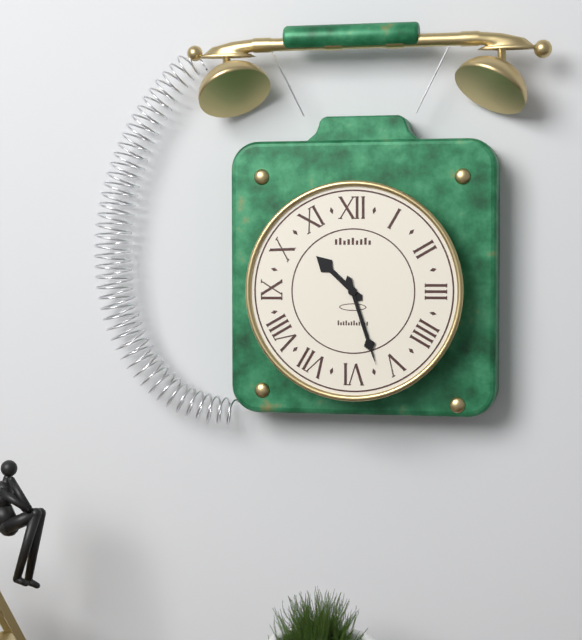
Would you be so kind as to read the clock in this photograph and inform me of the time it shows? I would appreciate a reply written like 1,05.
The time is 10,27
